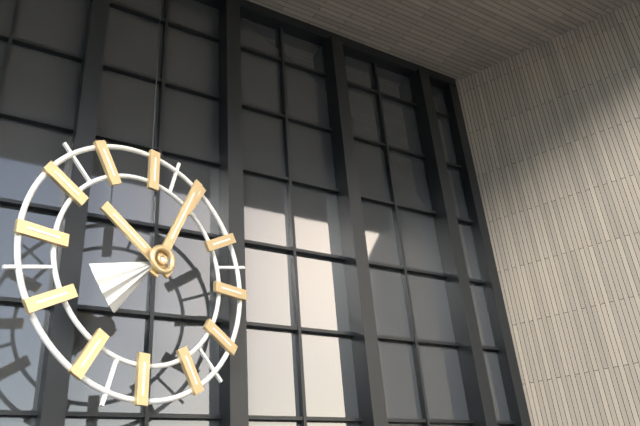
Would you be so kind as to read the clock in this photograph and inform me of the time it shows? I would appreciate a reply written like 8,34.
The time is 10,04
